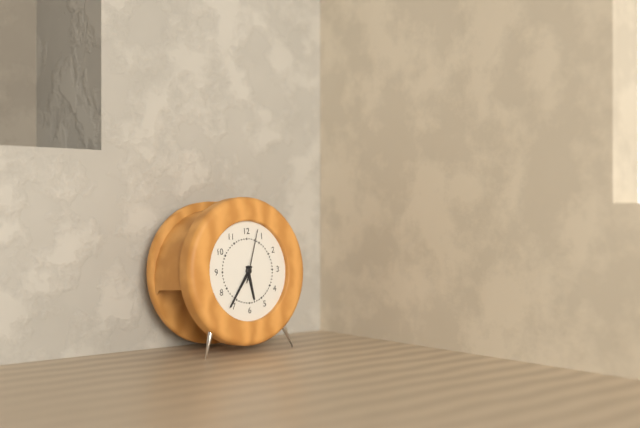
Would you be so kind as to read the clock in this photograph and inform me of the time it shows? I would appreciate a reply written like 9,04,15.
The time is 5,36,03
